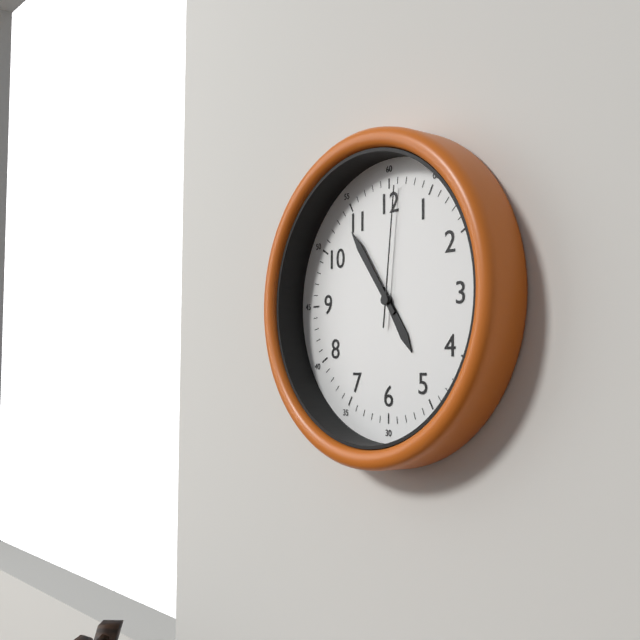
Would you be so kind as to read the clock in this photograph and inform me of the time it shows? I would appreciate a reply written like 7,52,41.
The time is 4,54,01
